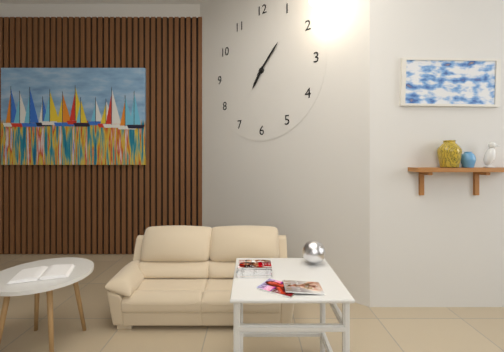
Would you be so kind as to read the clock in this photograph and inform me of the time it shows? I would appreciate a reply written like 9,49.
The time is 7,07
